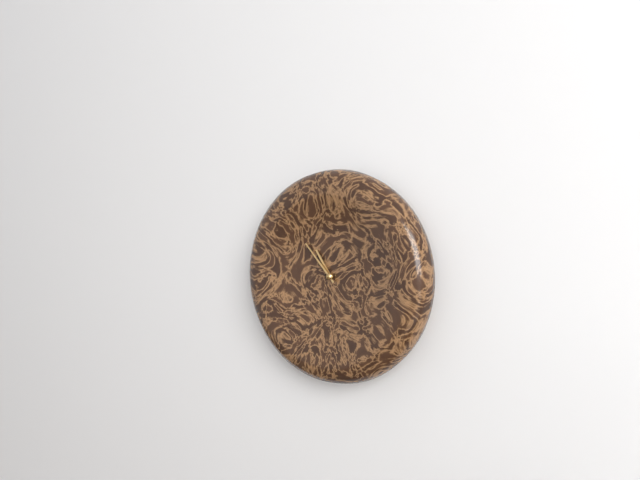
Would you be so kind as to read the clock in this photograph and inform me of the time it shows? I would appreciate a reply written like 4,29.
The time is 10,53
